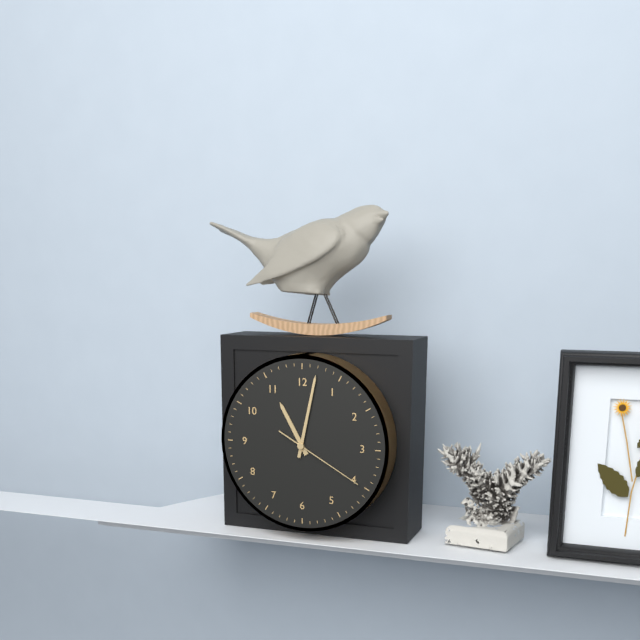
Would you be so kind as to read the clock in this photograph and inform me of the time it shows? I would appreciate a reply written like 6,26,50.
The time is 11,02,20
